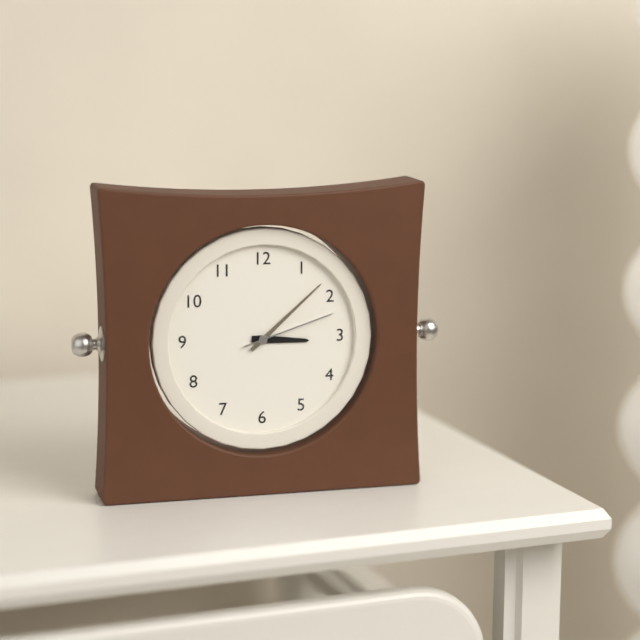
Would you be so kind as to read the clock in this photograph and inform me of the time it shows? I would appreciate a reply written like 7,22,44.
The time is 3,08,12
